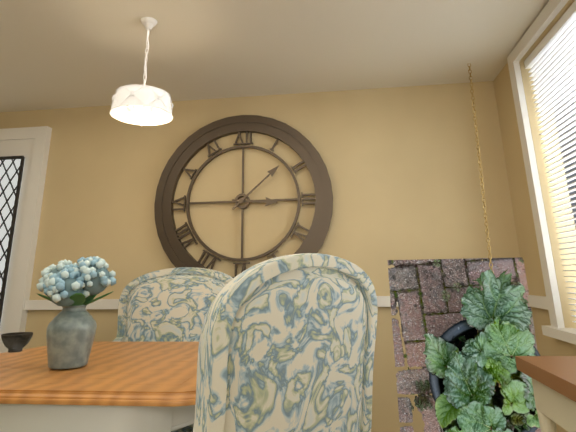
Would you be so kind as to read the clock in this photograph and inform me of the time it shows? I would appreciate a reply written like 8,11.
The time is 3,08
